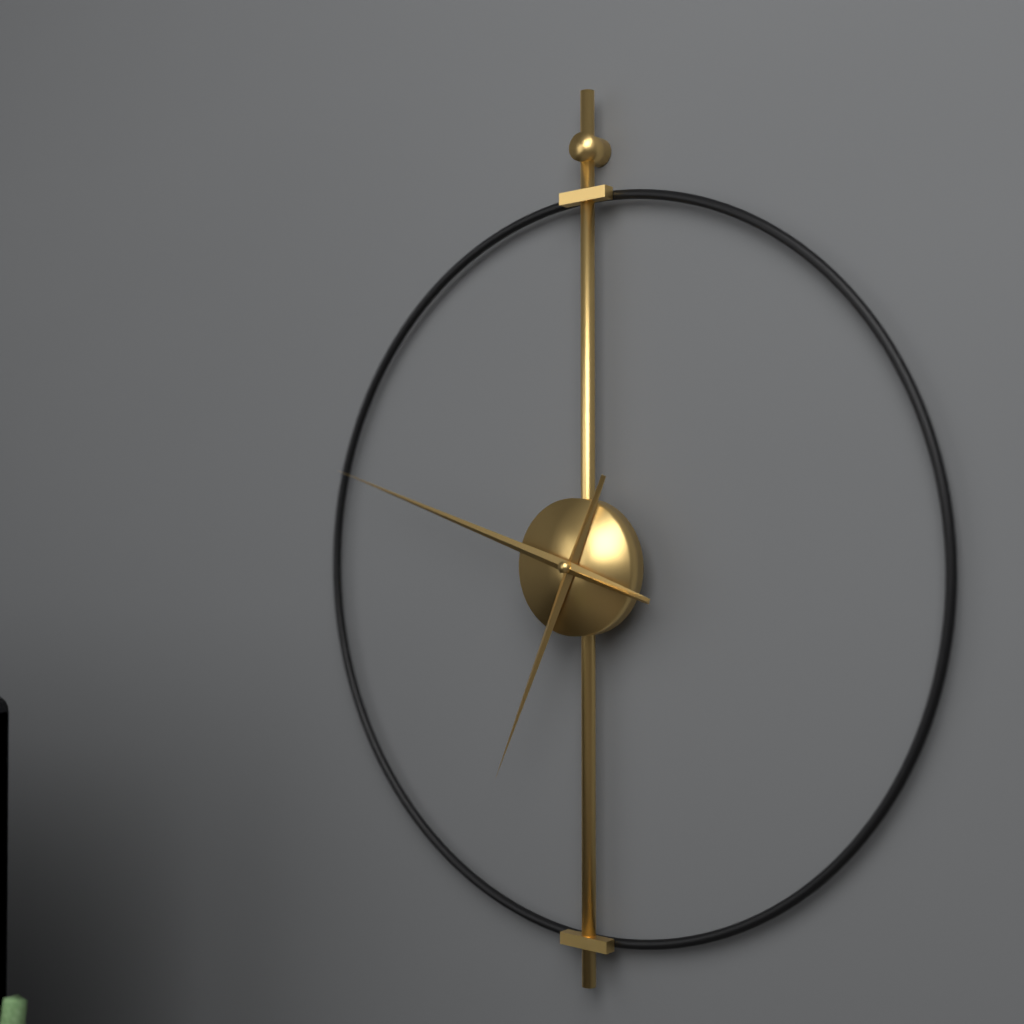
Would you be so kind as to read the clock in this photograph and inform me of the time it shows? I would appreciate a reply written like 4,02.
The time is 6,48
